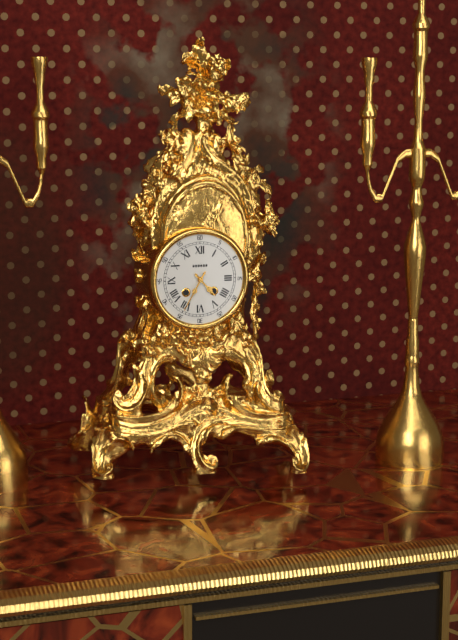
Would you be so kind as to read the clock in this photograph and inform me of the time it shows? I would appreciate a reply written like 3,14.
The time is 4,35
